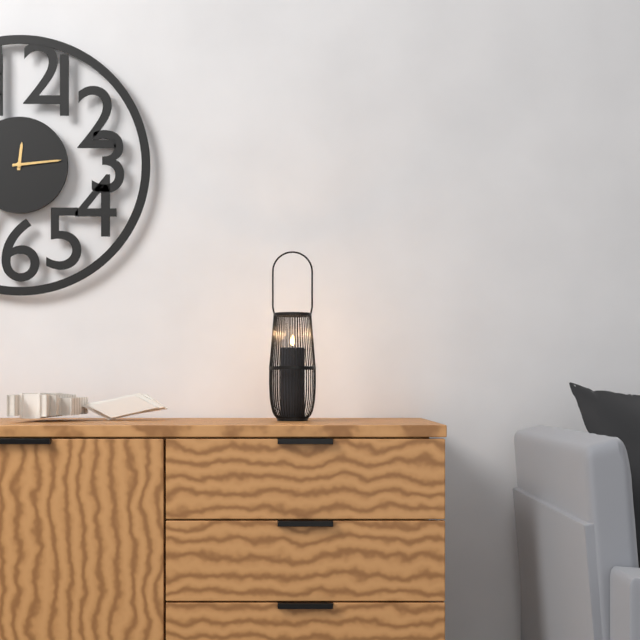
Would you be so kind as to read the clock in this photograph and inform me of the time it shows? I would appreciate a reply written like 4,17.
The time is 12,14
